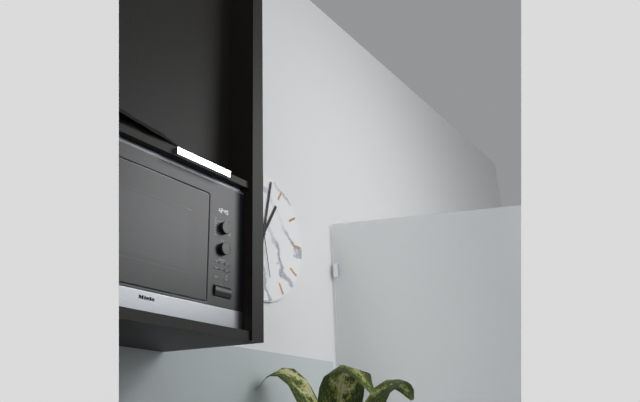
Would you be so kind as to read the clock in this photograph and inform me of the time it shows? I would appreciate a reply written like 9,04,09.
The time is 1,02,28
